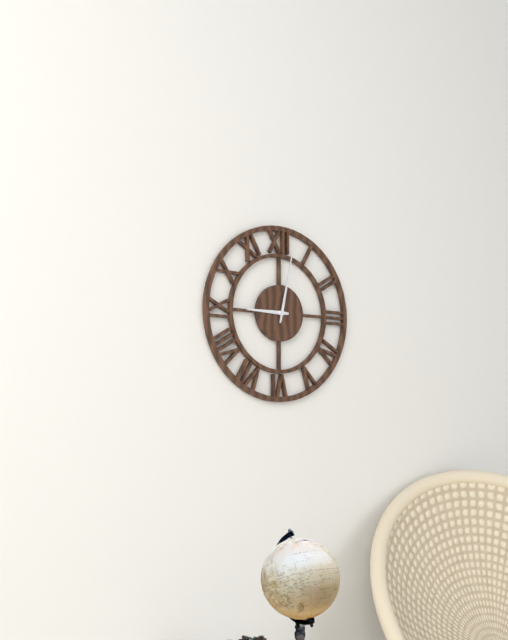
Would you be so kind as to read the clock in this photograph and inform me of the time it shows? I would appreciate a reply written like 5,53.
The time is 9,02
